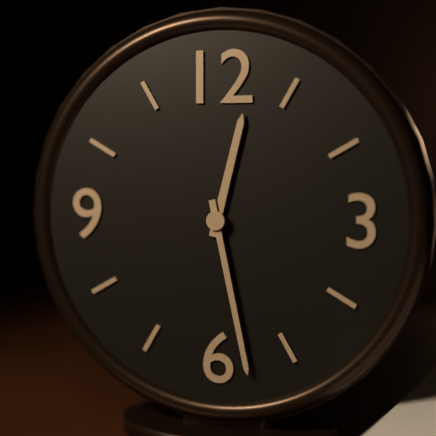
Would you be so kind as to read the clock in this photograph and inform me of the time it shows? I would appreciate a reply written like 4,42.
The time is 12,28
